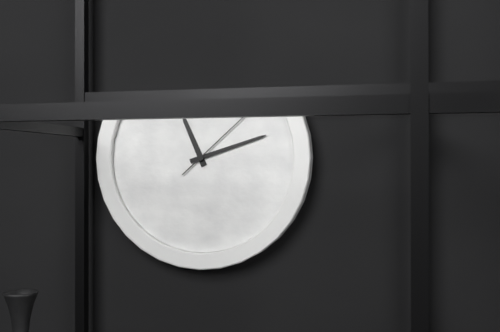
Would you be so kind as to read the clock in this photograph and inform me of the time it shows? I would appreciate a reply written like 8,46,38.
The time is 11,12,08
